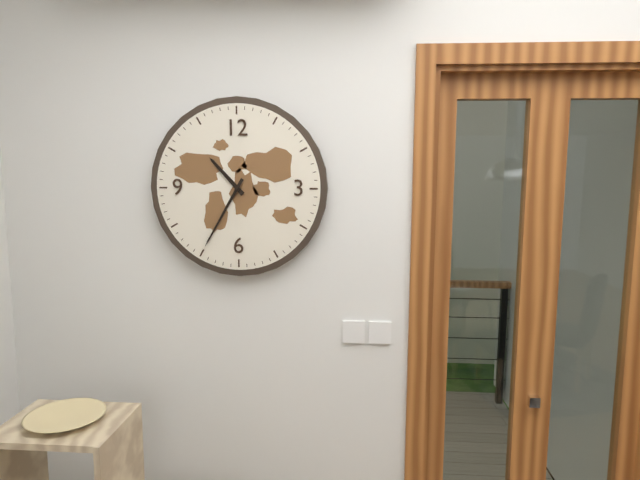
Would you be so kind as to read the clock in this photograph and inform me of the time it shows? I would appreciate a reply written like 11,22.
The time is 10,35
